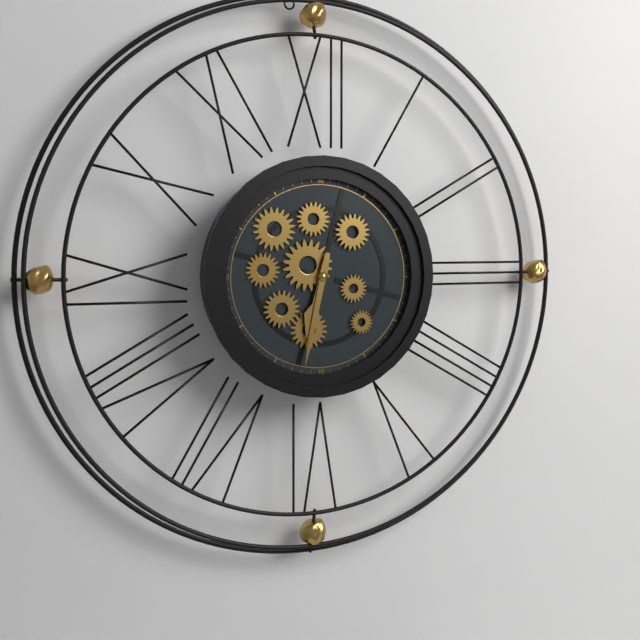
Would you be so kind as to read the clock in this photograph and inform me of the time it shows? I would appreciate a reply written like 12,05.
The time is 6,32
